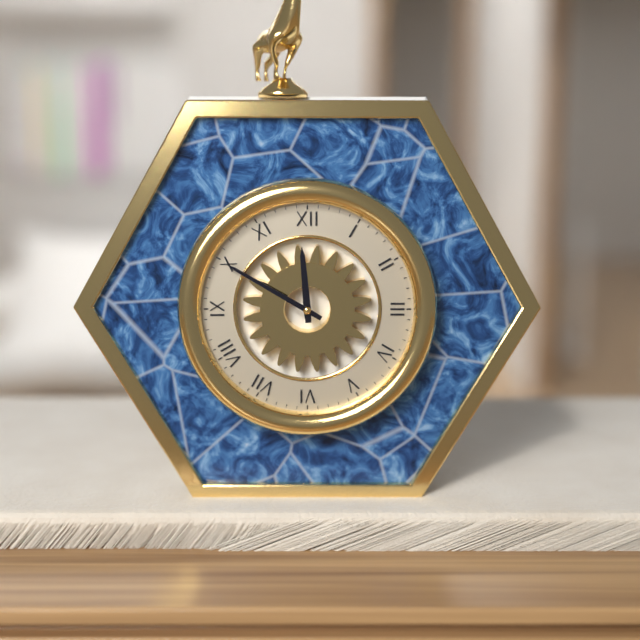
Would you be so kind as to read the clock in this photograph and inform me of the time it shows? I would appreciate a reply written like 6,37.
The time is 11,50
